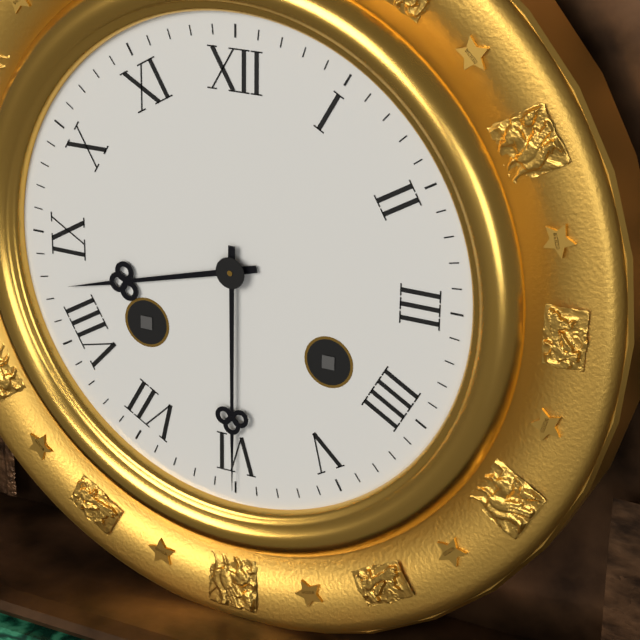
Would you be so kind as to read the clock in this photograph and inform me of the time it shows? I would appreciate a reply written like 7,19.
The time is 8,30
